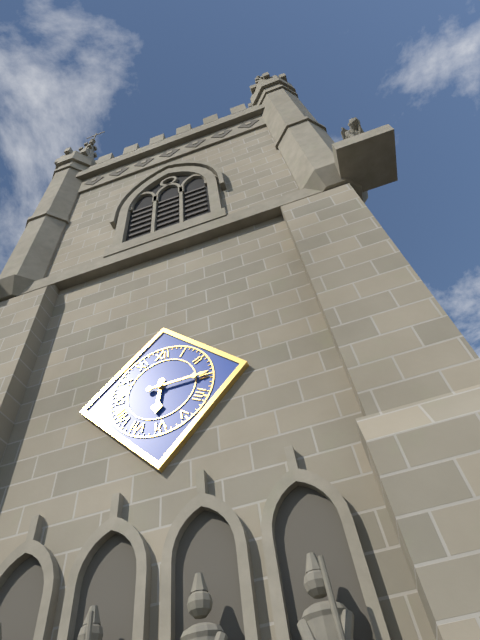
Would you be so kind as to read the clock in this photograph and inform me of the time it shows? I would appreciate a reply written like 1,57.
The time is 6,15
